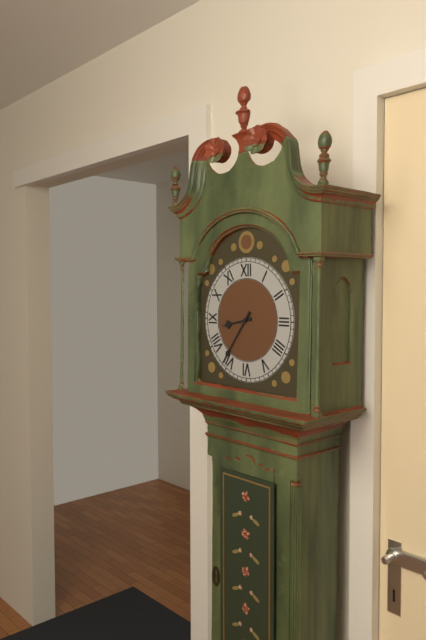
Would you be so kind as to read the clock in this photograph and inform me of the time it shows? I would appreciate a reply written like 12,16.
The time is 8,36
